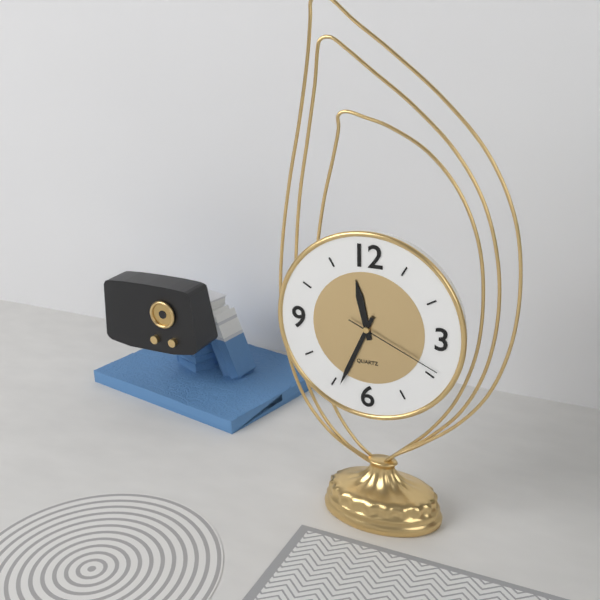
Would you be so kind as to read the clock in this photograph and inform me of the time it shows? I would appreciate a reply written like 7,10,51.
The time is 11,34,19
